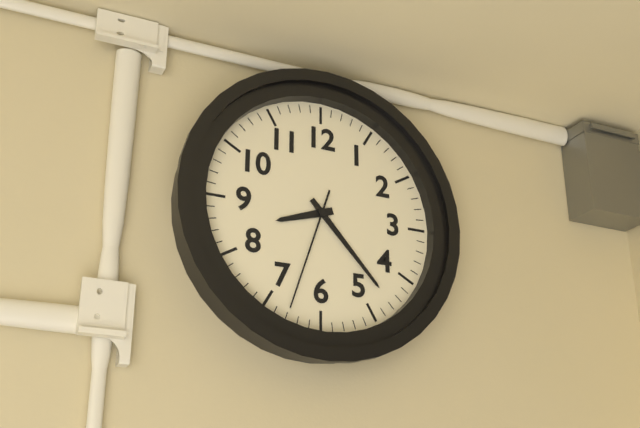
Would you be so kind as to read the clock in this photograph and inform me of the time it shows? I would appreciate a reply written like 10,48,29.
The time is 8,23,33
